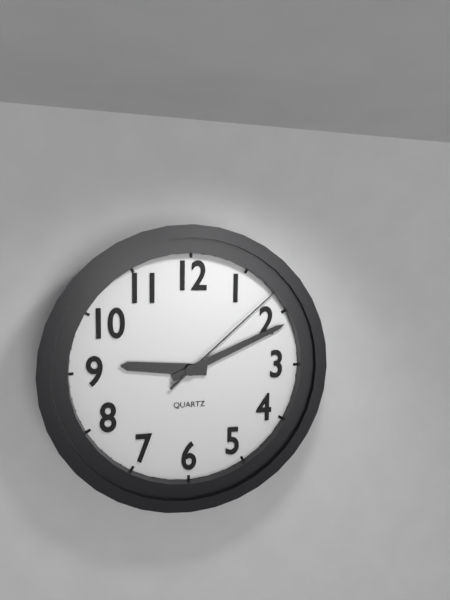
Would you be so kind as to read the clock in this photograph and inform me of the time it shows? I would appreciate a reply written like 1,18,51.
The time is 9,11,08
